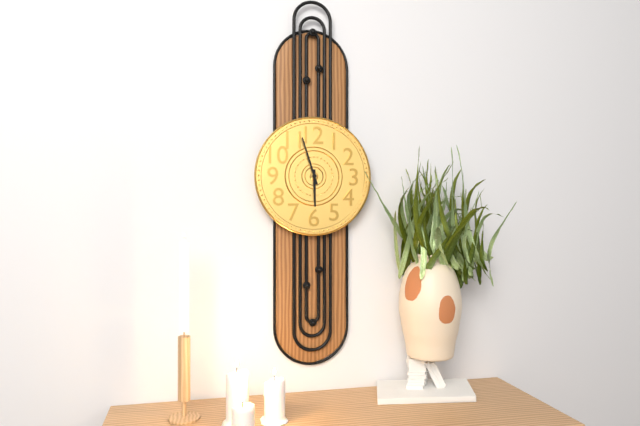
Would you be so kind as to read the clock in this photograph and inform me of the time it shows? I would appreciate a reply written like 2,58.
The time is 5,57
